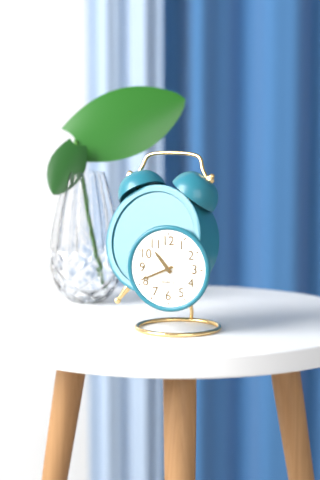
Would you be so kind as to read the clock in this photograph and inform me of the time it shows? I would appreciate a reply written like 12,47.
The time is 10,41
